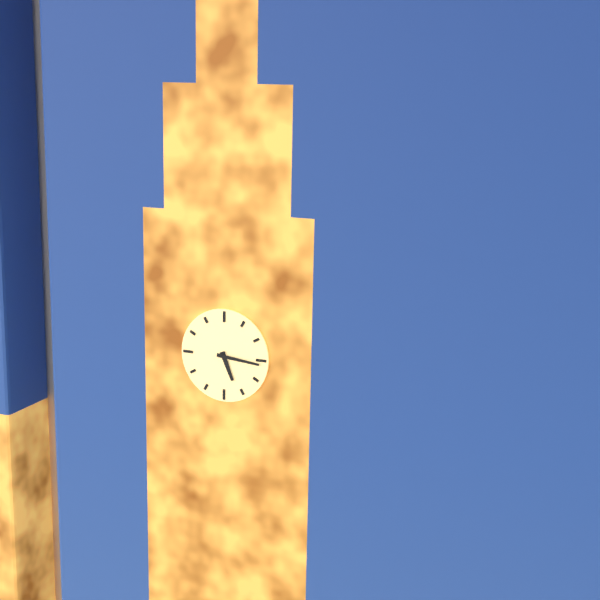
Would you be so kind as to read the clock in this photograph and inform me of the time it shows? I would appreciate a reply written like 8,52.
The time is 5,16
